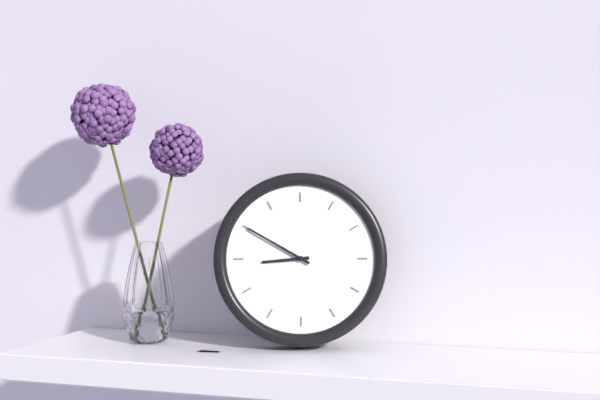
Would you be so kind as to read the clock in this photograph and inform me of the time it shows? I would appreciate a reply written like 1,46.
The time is 8,50
